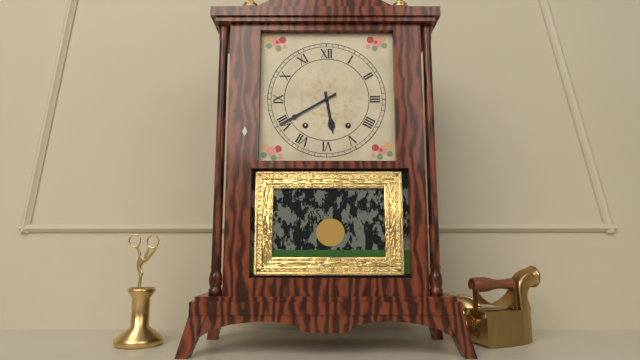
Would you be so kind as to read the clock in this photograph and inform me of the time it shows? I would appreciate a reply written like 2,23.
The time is 5,40
